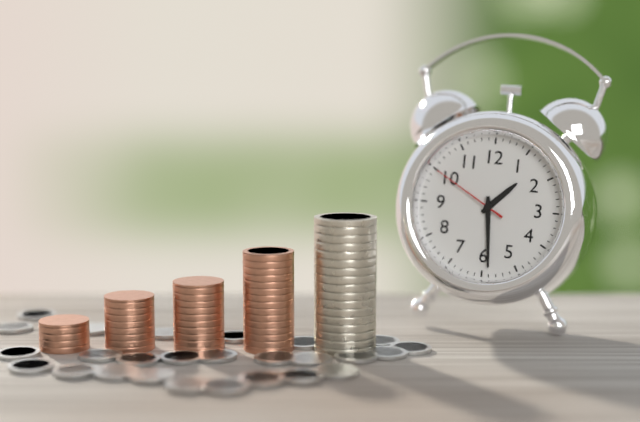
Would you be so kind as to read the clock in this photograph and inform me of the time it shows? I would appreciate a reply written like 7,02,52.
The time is 1,29,50
